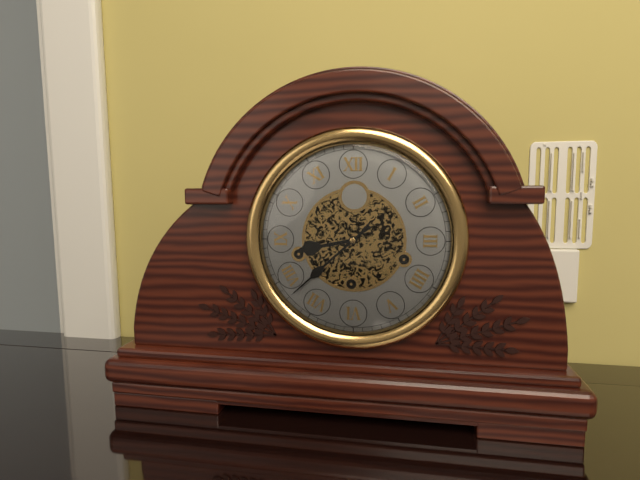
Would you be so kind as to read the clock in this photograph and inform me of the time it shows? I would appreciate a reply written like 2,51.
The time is 8,38
